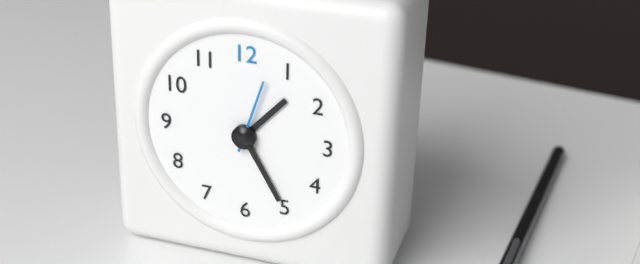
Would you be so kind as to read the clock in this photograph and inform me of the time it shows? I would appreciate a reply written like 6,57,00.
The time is 1,25,03
